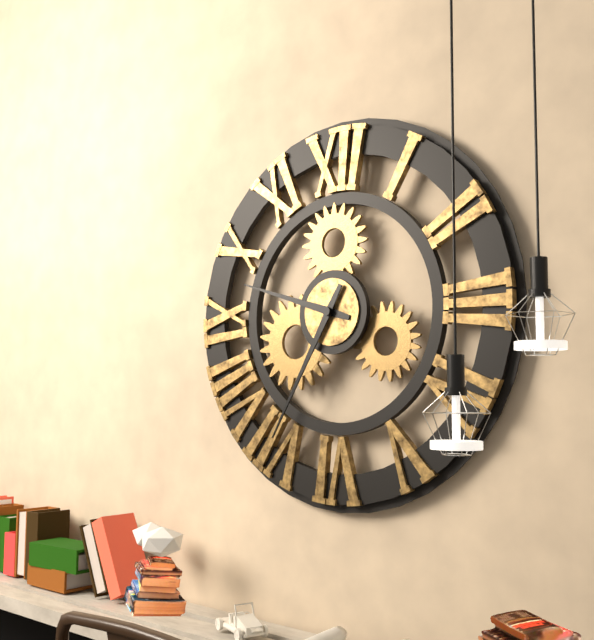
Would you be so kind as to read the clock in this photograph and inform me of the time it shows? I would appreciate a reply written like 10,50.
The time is 9,35
